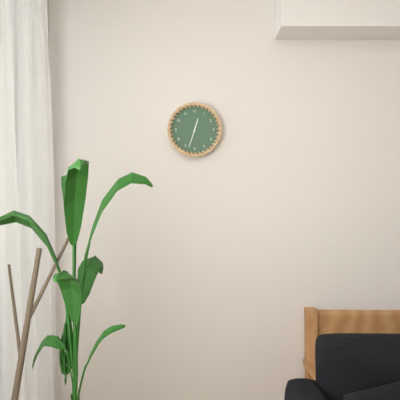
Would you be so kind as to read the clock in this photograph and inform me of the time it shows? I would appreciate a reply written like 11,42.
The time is 12,33
